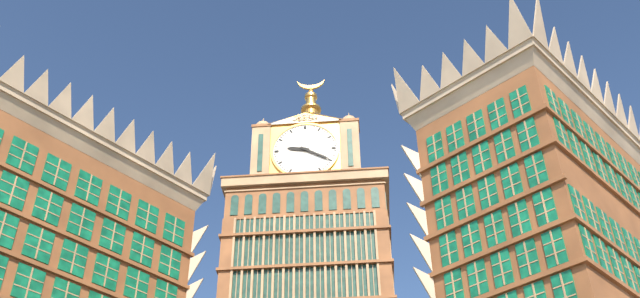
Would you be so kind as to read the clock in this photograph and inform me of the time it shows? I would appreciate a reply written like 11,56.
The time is 9,20
